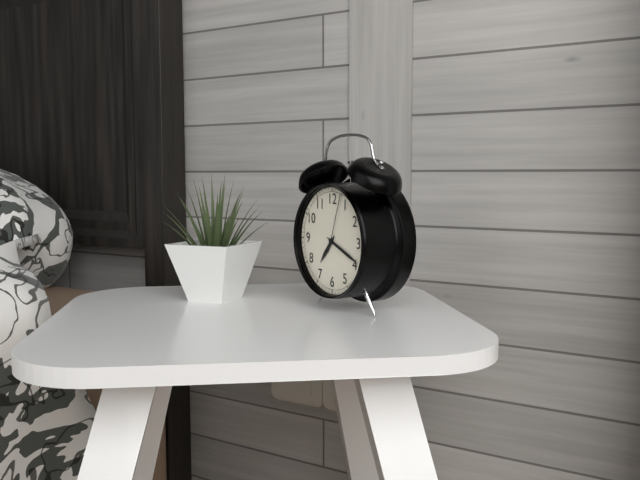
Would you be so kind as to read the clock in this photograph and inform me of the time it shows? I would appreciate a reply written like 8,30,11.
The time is 7,19,03
